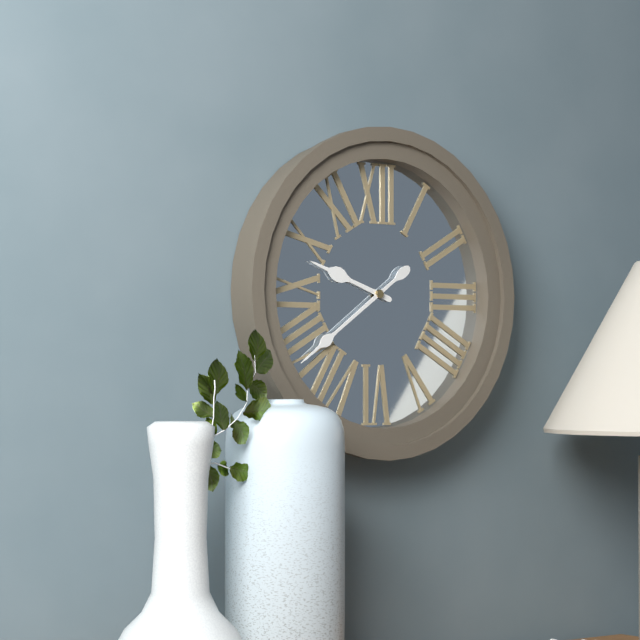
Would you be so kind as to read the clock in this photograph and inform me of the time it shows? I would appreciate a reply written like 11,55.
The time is 9,39
